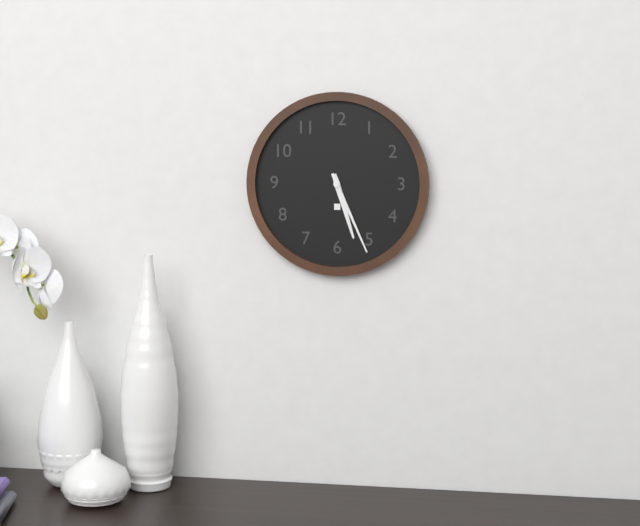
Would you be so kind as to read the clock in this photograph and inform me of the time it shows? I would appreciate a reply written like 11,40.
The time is 5,26
